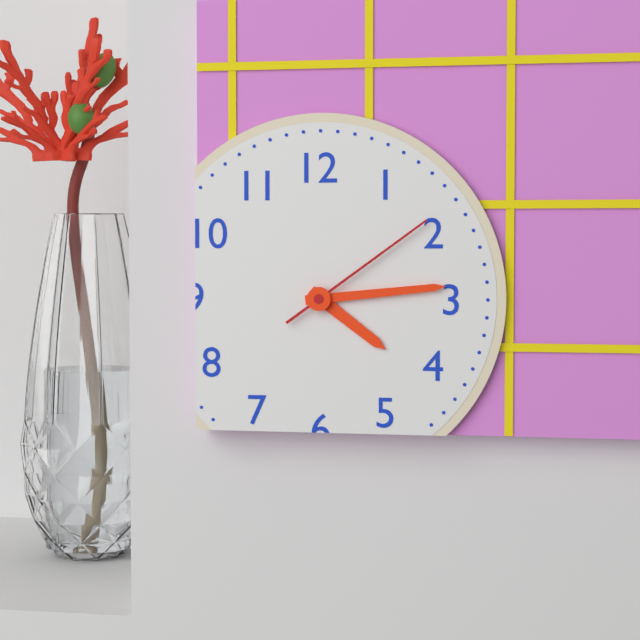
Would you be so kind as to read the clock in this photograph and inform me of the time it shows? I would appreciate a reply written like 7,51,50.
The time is 4,14,09
